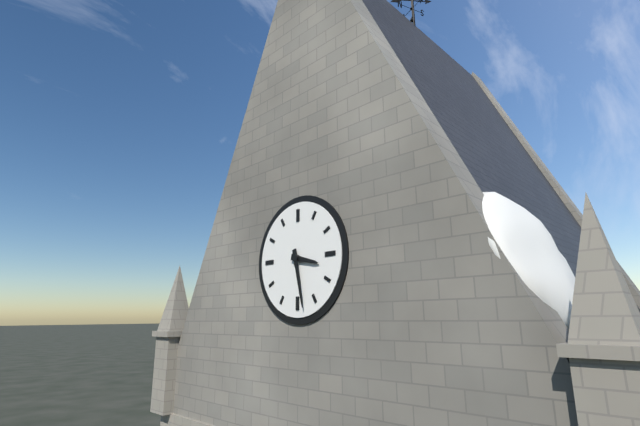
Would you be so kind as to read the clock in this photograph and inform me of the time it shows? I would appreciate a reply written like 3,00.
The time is 3,28
